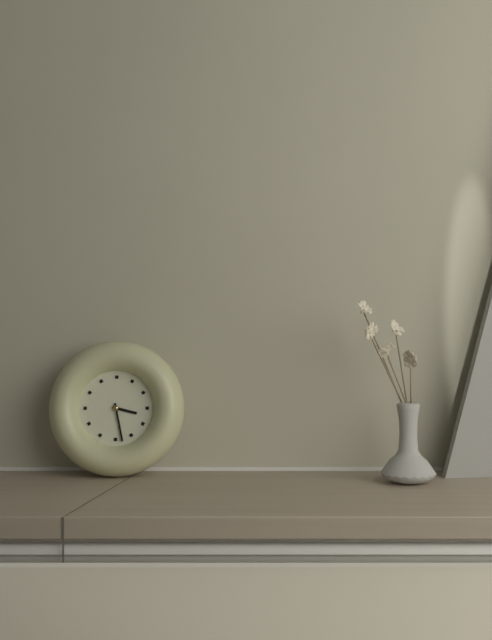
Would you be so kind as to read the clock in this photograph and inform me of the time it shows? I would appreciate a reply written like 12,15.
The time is 3,28
